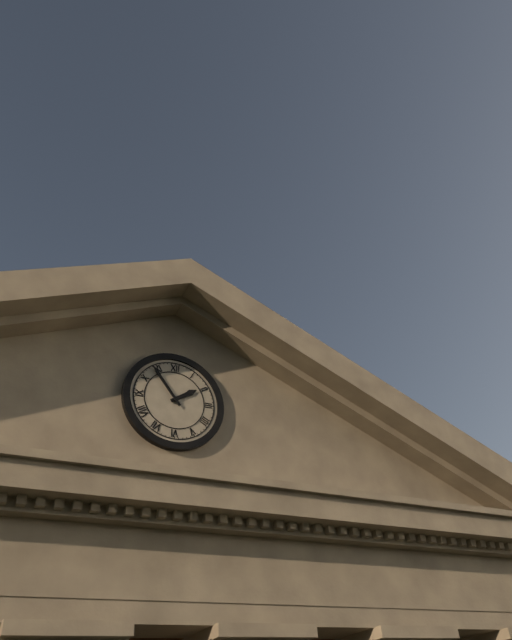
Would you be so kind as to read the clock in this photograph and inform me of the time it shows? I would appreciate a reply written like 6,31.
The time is 1,54
